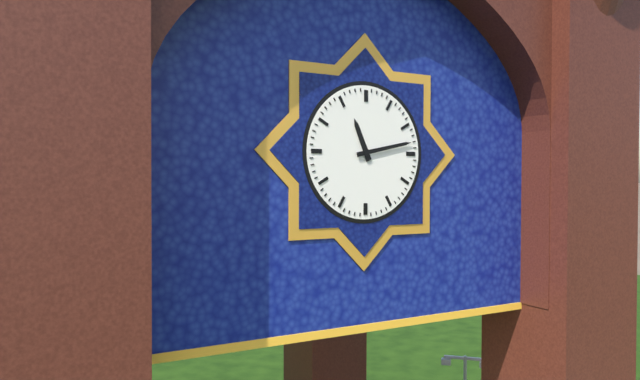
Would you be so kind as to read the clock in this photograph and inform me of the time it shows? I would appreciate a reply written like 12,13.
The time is 11,13
